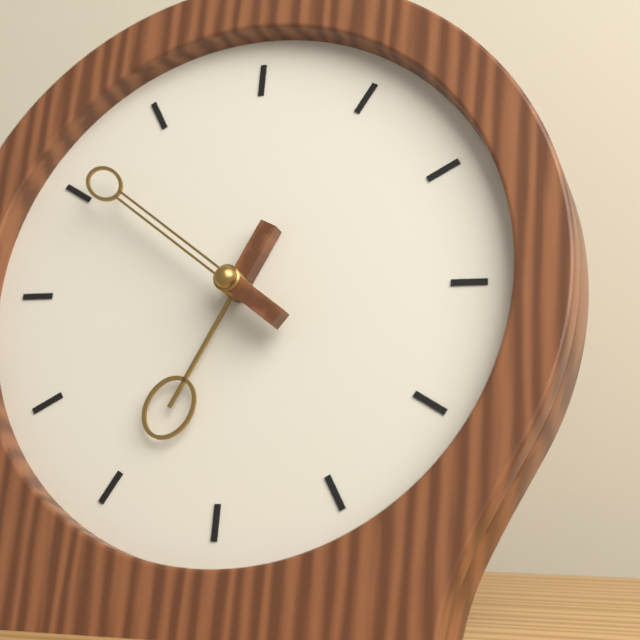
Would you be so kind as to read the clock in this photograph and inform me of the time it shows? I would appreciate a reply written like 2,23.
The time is 6,51
